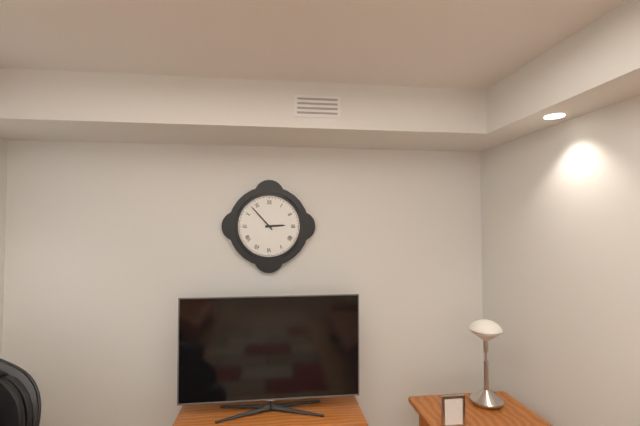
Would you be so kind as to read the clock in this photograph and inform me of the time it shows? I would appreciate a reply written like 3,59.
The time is 2,53
